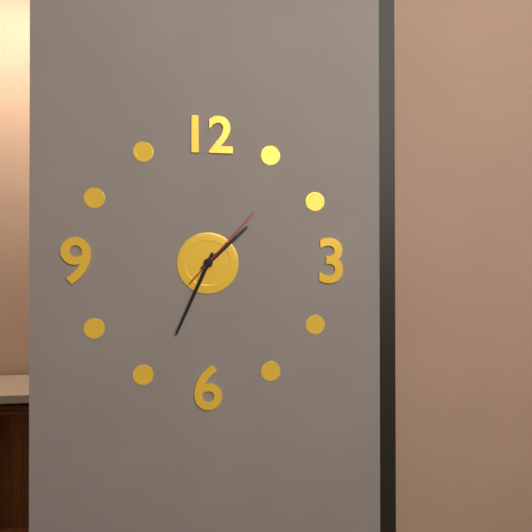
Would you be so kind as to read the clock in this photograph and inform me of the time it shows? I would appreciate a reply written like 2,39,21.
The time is 1,34,07
